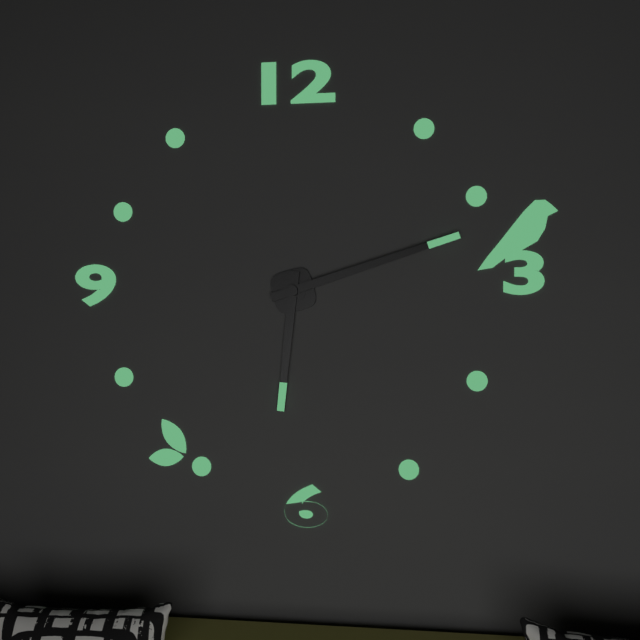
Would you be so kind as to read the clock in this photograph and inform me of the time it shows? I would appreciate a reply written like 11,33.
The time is 6,12
